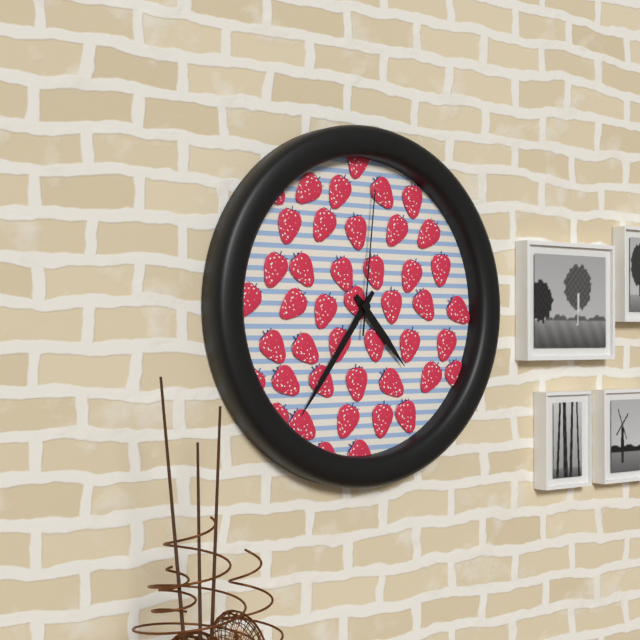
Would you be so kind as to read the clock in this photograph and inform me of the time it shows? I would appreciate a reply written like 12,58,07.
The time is 4,36,01
